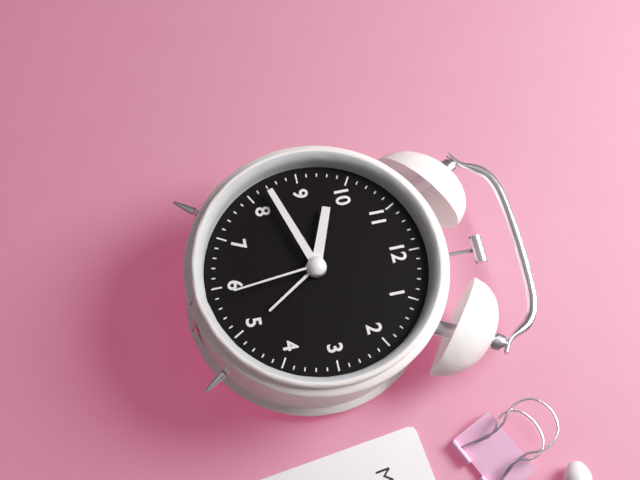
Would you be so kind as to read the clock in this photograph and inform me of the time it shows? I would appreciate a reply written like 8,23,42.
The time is 9,42,29
